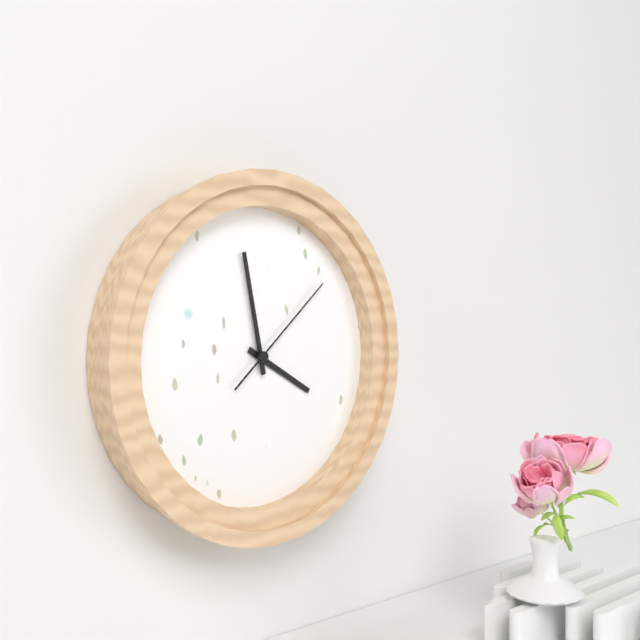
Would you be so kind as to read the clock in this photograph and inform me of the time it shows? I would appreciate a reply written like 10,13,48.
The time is 3,58,08
